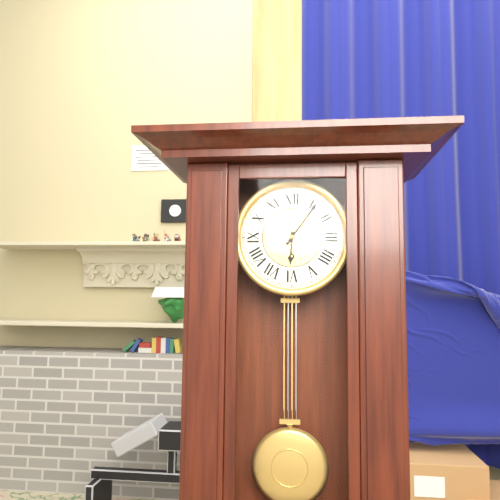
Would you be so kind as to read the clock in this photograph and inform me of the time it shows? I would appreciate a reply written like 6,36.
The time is 6,06
